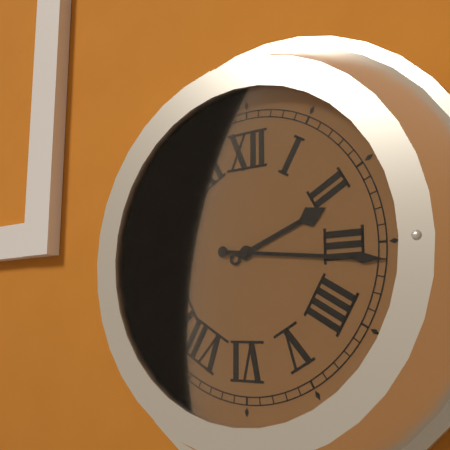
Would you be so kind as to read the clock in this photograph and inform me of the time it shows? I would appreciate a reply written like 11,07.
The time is 2,16
